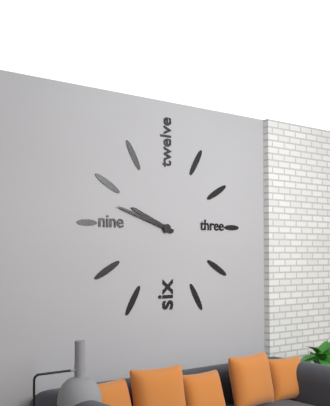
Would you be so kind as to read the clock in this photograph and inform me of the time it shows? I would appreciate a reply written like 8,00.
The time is 9,48
